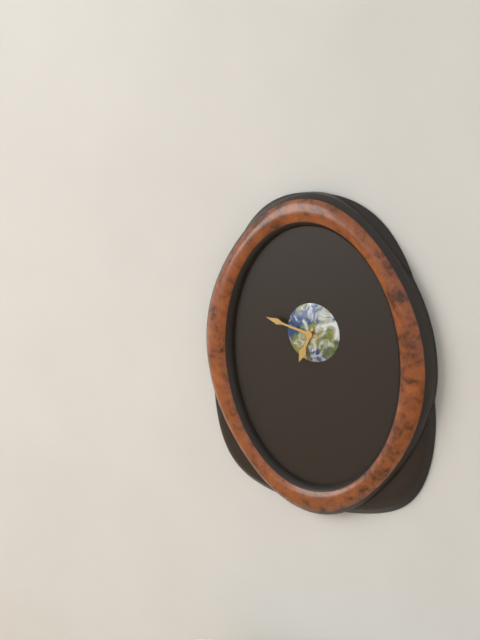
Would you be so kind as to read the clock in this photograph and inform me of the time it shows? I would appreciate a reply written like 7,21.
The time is 6,47
